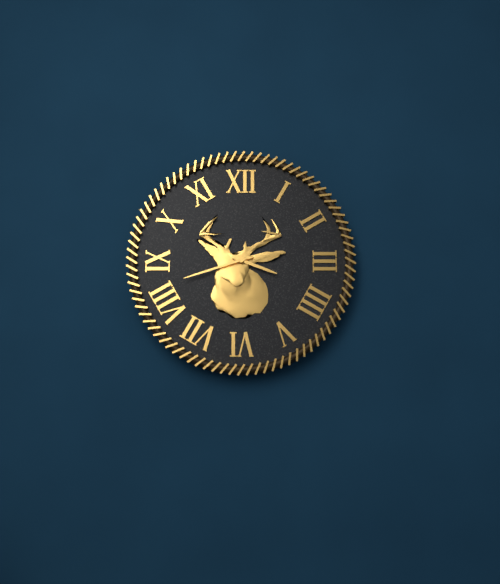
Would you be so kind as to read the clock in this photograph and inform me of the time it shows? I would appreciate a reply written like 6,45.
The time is 3,42
